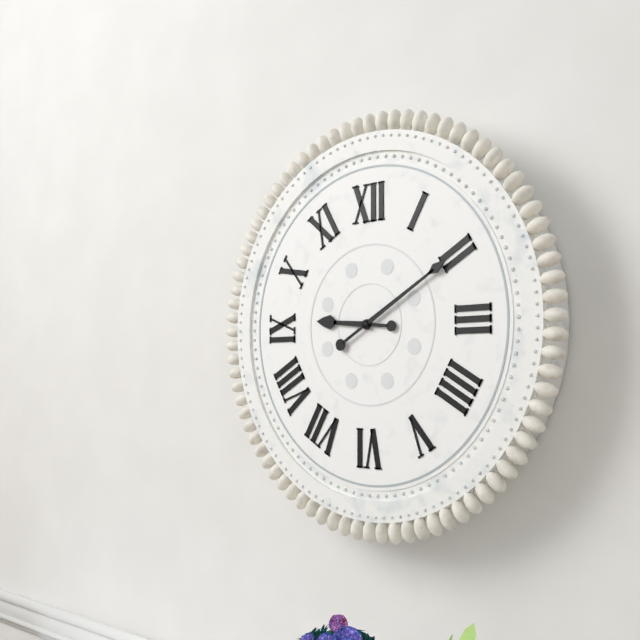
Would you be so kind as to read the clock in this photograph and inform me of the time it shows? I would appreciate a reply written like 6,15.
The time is 9,10
